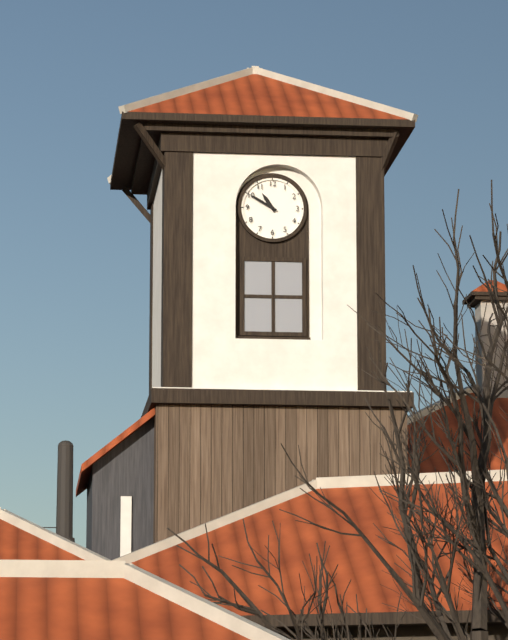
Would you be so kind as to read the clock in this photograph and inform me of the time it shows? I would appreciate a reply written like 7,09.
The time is 10,50
